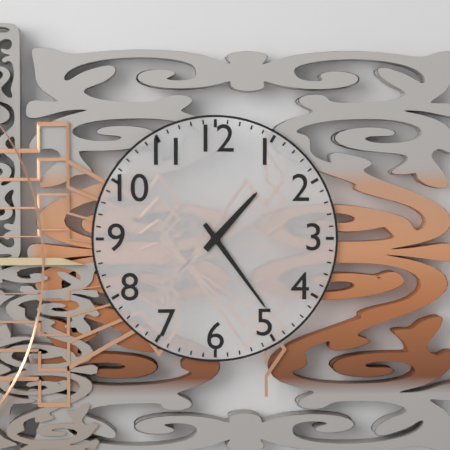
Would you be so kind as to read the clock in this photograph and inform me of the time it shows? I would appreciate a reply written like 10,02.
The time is 1,24
